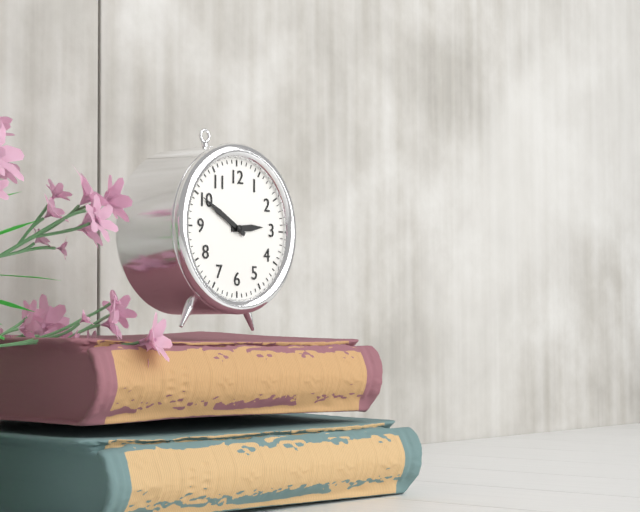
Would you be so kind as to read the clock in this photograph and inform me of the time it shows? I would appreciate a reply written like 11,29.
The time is 2,50
